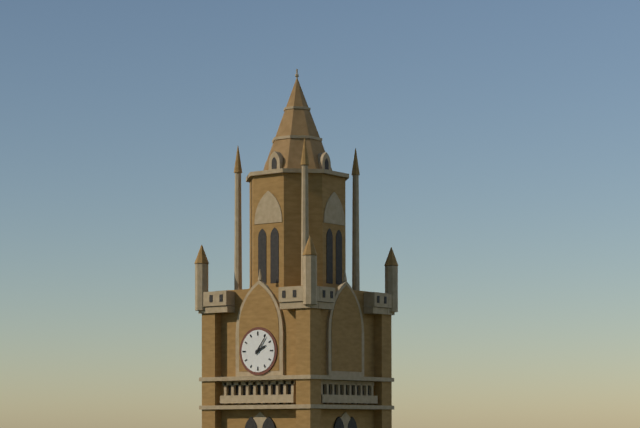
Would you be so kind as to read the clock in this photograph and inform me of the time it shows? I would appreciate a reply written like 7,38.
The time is 2,06
